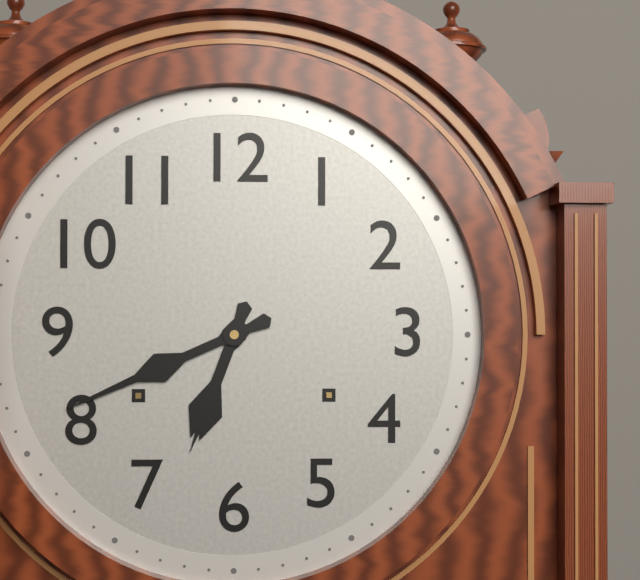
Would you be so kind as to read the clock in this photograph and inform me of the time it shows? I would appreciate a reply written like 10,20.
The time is 6,41
